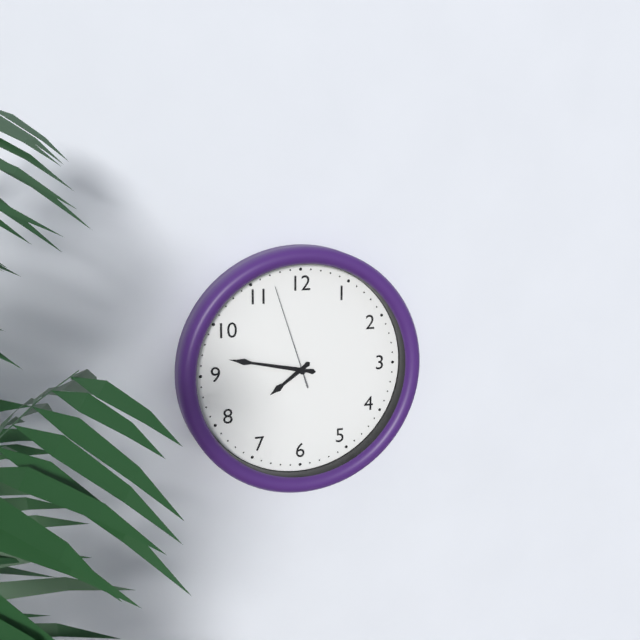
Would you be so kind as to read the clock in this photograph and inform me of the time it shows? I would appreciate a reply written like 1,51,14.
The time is 7,47,57
